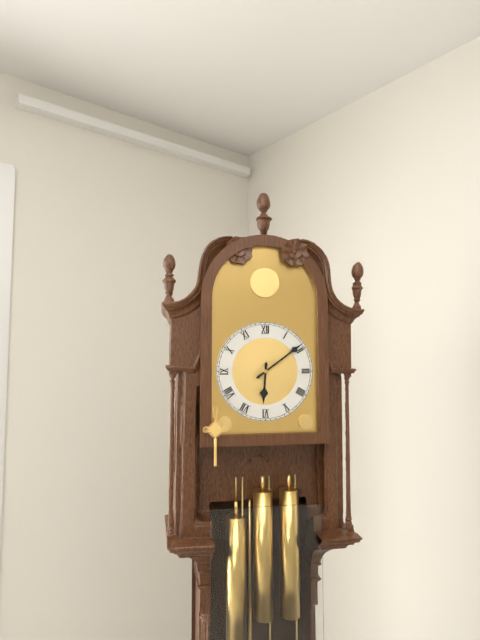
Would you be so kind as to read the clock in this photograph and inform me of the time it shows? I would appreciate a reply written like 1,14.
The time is 6,09
